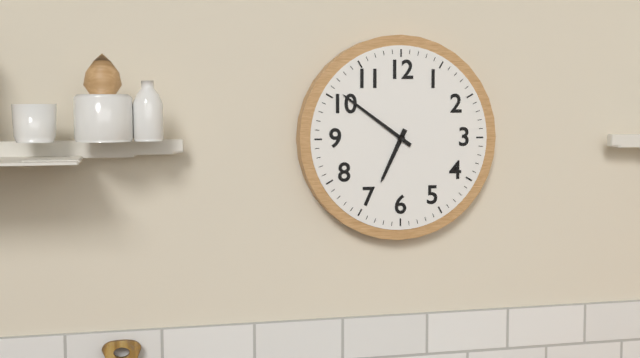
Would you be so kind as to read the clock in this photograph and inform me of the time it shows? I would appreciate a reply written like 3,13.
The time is 6,51
